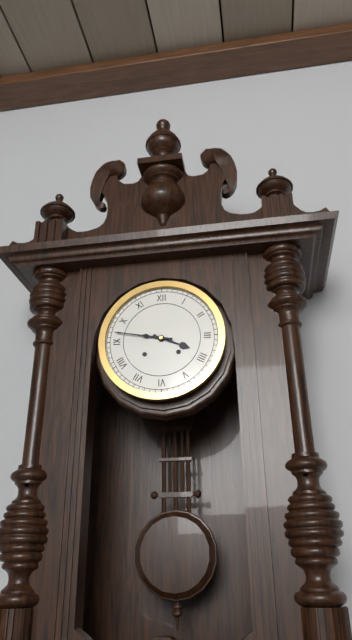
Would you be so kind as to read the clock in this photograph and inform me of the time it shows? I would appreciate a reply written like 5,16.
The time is 3,47
